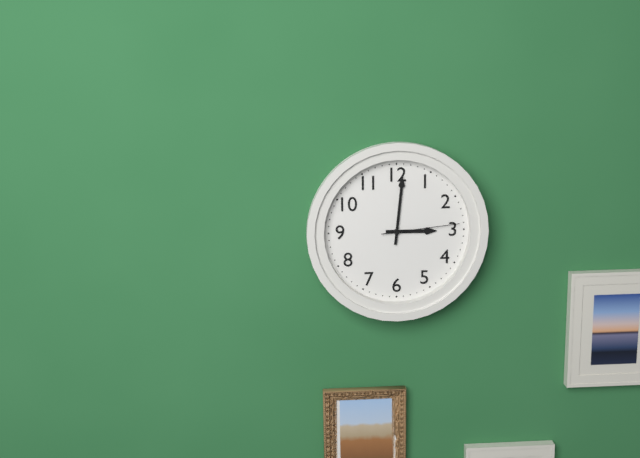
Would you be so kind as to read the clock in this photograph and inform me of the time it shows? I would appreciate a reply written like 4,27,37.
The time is 3,01,14
